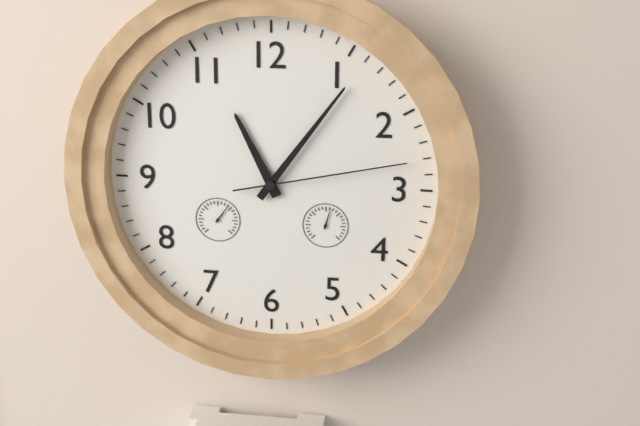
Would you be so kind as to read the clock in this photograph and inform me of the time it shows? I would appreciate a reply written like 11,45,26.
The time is 11,06,13
